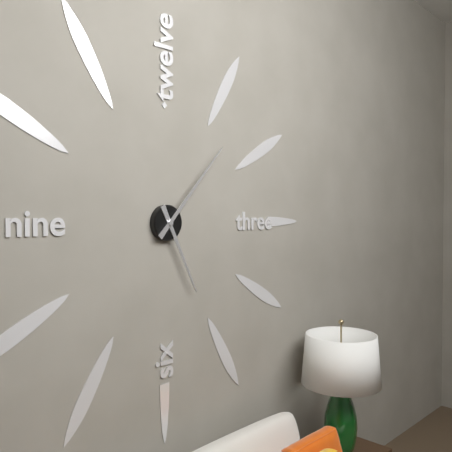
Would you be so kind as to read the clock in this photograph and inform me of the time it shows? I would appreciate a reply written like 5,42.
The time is 5,07
